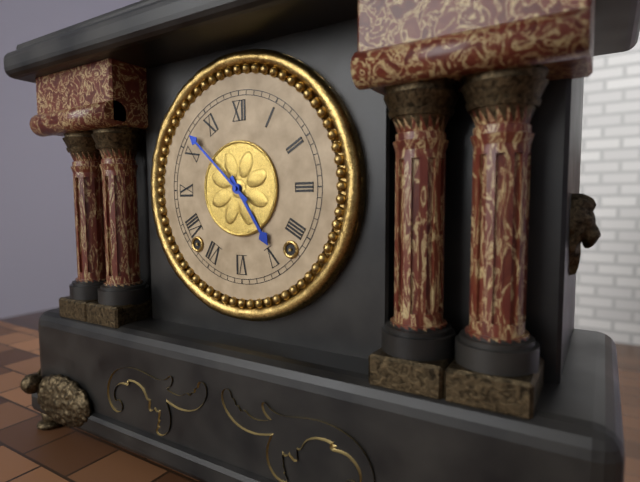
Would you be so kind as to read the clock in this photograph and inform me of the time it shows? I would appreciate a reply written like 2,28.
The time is 4,52
